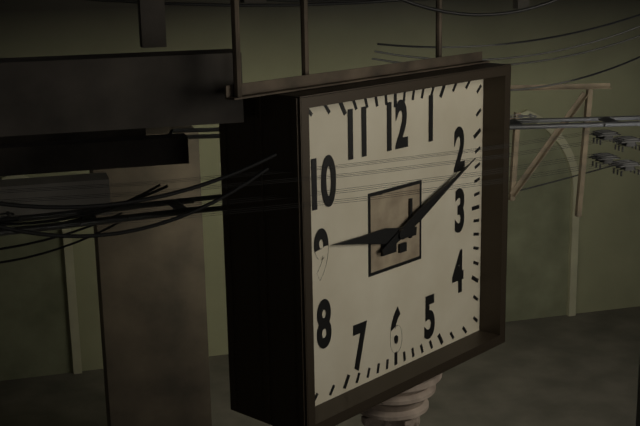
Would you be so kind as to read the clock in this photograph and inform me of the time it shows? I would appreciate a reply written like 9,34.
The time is 9,11
